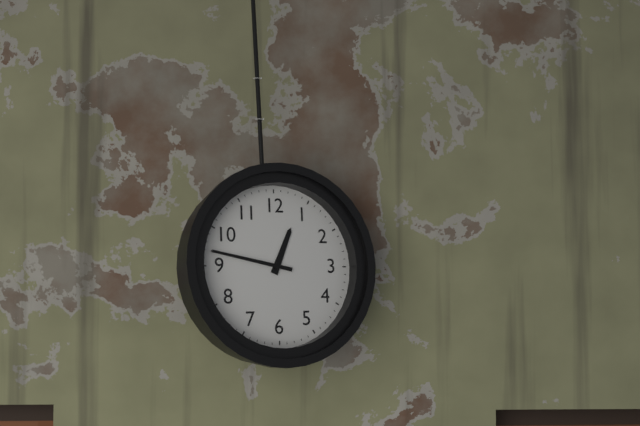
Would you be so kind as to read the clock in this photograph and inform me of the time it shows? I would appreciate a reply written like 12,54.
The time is 12,47
